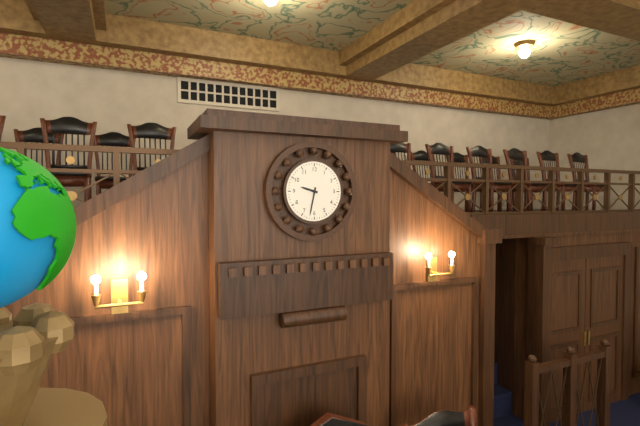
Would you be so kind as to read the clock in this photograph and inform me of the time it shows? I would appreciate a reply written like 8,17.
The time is 9,32
